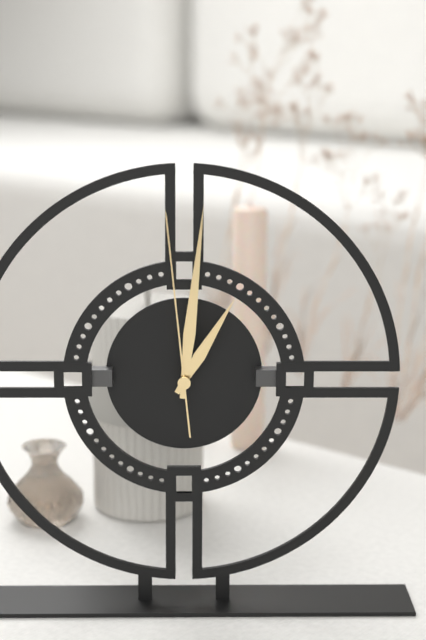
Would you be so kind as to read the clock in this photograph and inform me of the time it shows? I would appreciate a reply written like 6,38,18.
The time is 1,01,59
